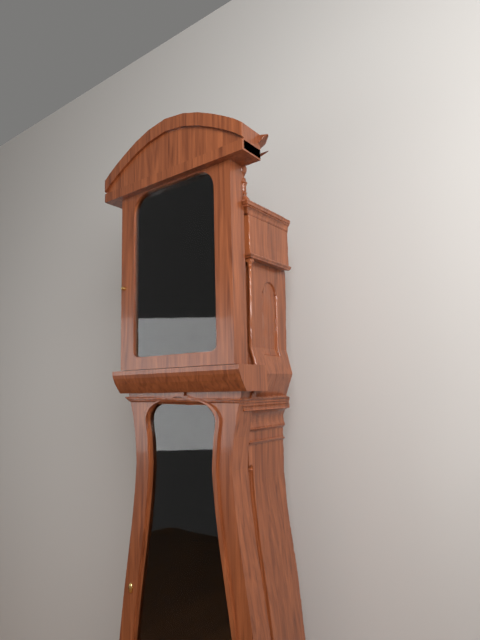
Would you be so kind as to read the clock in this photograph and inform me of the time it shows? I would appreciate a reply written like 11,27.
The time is 10,03
